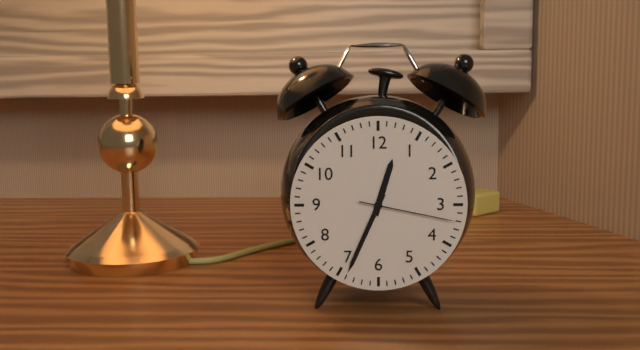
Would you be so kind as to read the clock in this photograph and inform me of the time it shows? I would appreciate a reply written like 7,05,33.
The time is 12,34,17
